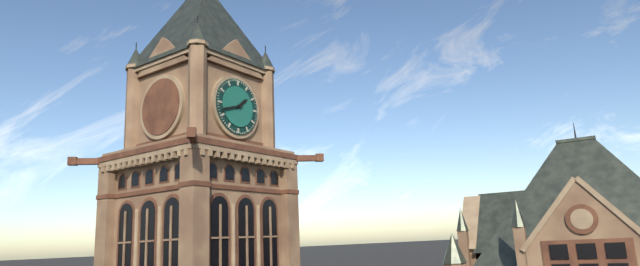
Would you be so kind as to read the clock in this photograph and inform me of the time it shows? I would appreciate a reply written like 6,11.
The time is 1,42
